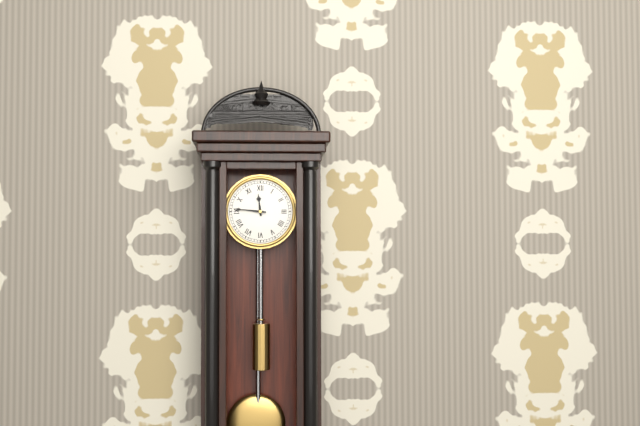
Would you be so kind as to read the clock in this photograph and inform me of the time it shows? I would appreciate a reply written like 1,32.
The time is 11,46
